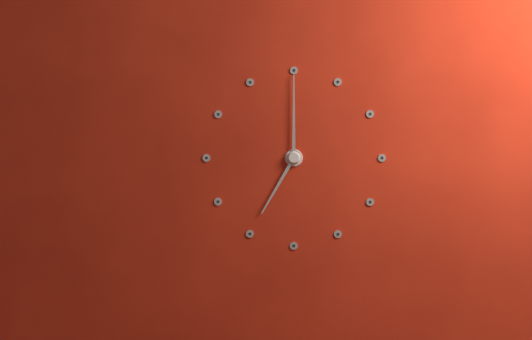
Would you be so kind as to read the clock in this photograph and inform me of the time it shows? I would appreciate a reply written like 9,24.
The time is 7,00
